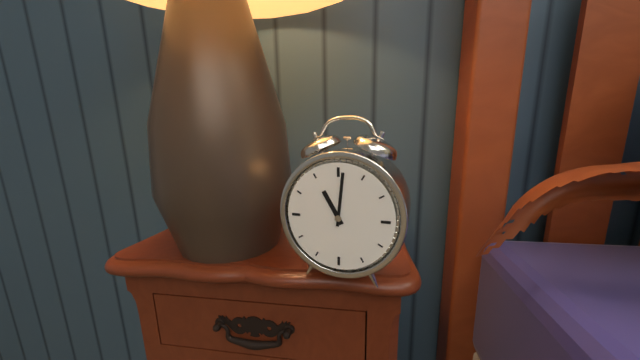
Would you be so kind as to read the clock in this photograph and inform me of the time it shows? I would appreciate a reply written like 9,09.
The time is 11,01
